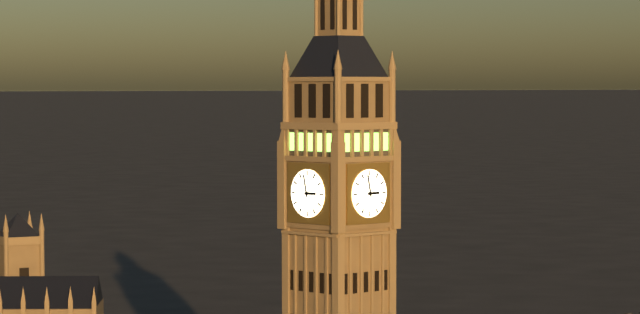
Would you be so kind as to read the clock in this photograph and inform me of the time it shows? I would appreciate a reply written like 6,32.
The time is 2,58
